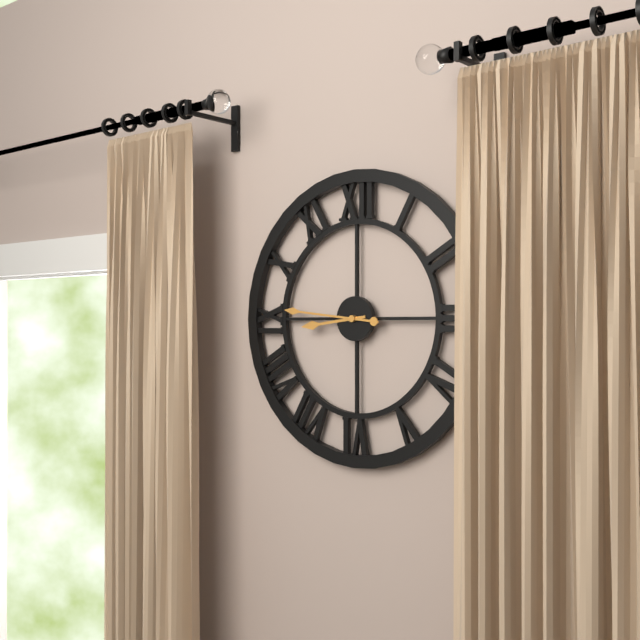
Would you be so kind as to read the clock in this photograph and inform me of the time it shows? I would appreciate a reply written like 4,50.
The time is 8,46
